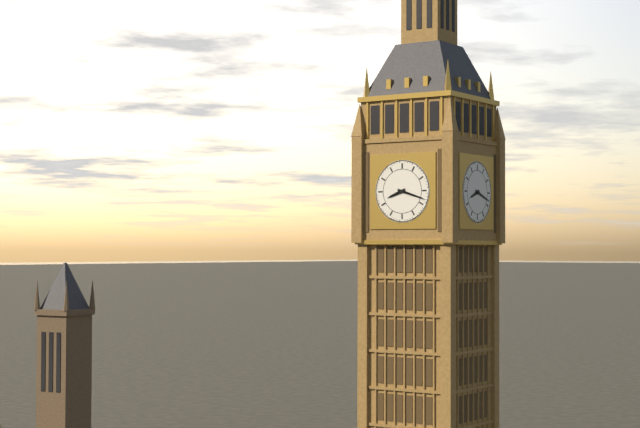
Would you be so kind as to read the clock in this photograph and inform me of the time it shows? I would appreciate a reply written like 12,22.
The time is 8,18
